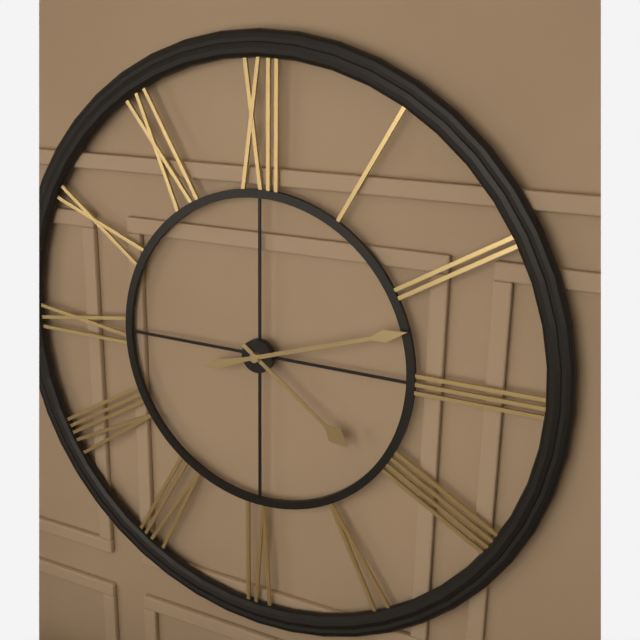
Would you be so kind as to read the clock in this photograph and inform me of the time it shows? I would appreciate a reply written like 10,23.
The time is 4,12
